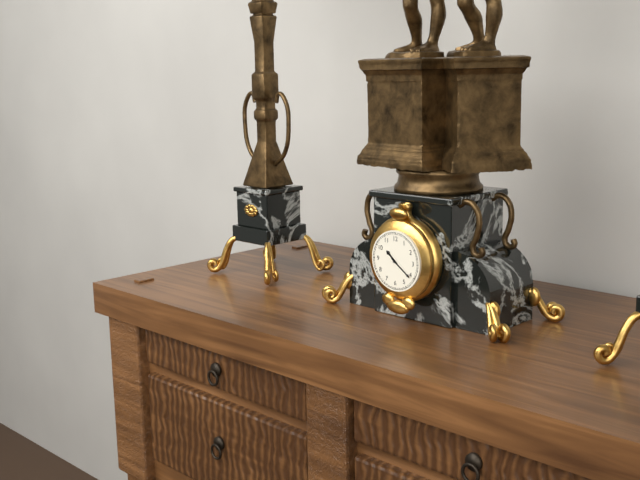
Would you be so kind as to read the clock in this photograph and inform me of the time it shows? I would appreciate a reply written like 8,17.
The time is 10,21
